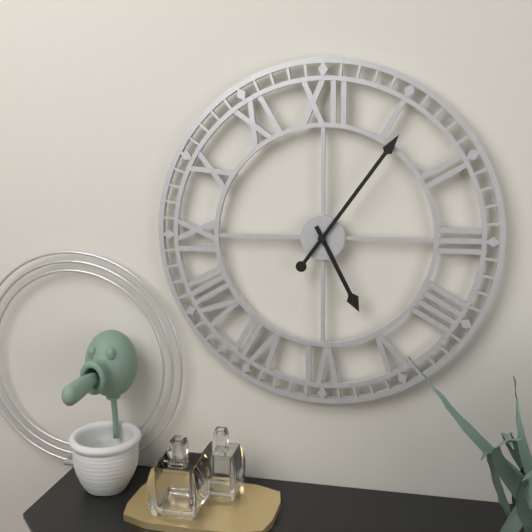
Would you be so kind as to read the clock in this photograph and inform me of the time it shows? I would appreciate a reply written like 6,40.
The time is 5,06
